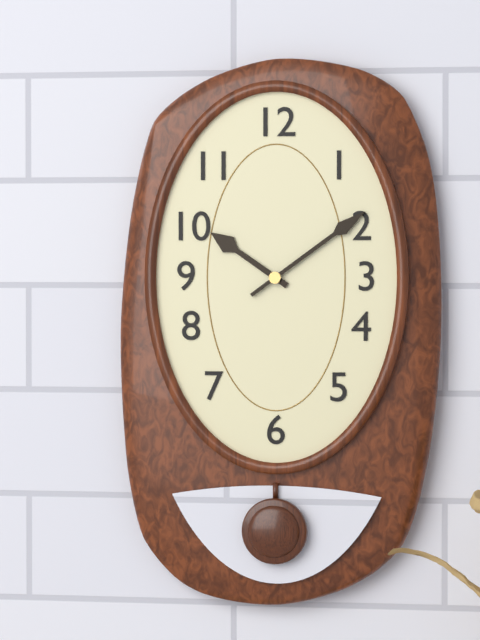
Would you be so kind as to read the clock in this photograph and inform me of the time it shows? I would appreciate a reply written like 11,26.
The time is 10,09
